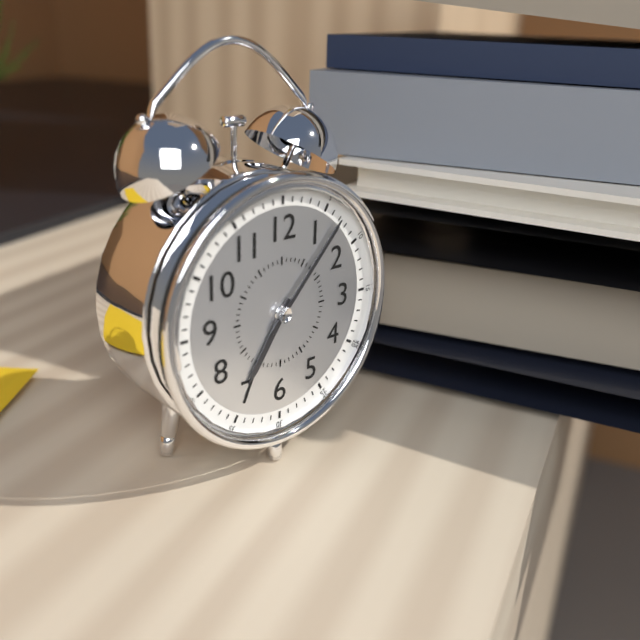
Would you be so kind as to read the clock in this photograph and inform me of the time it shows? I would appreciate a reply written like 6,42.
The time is 7,07
